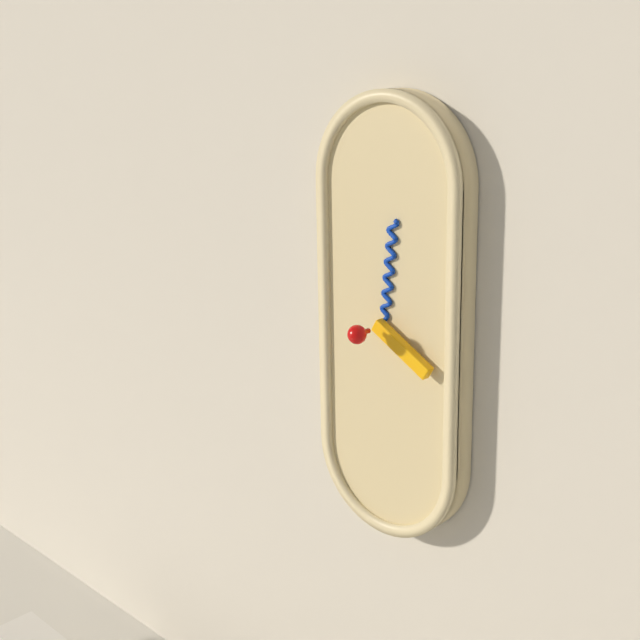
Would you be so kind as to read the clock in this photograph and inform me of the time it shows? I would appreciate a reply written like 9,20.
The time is 4,01
